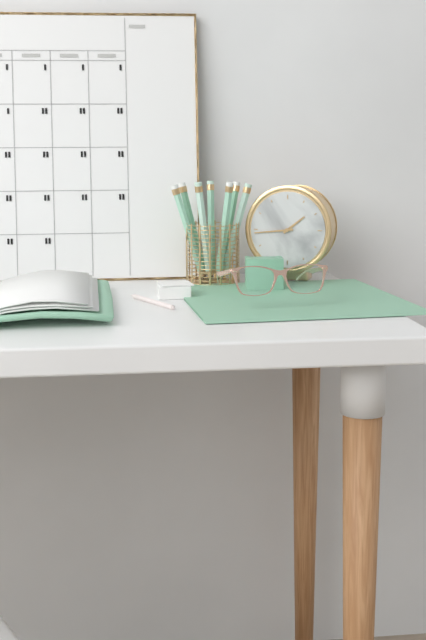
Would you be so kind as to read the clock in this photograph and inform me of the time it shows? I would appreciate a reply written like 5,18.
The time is 1,44
